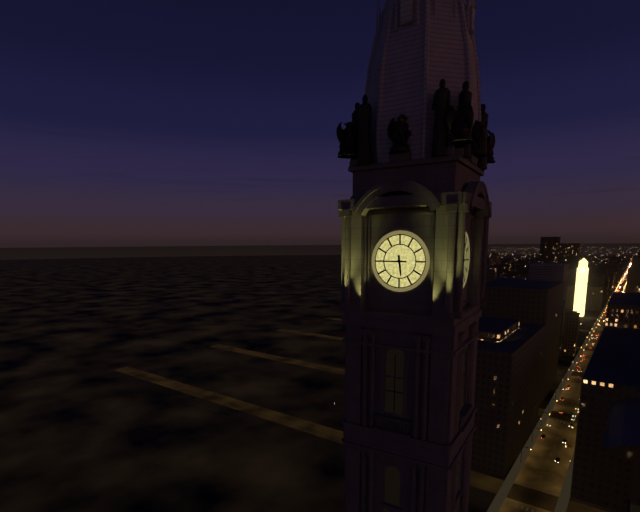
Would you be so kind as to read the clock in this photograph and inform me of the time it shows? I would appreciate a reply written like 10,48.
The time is 5,45
